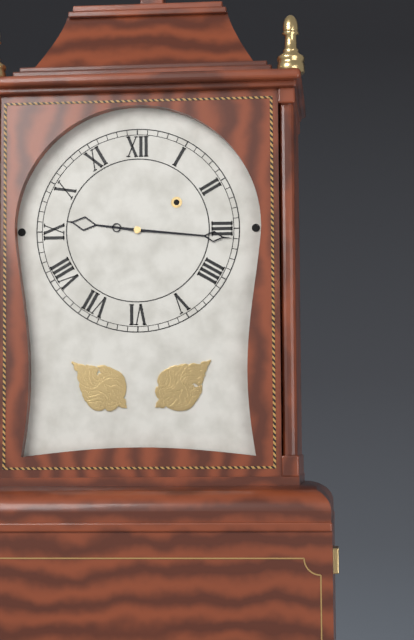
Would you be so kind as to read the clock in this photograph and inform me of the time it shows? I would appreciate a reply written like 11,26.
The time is 9,16
